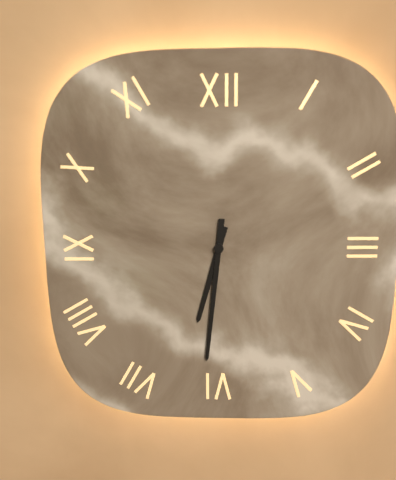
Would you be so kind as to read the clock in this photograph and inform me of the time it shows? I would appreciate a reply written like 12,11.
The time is 6,31
